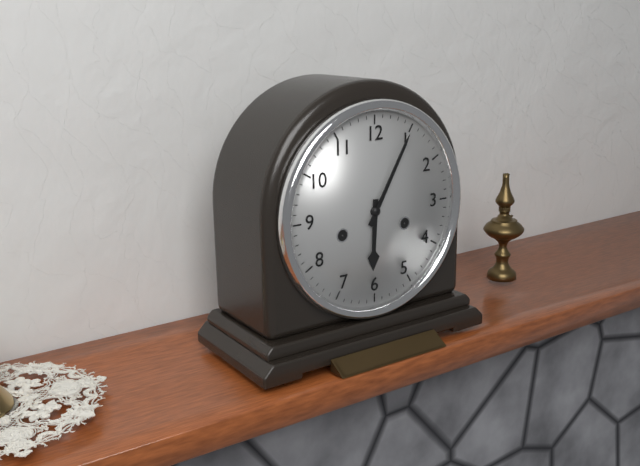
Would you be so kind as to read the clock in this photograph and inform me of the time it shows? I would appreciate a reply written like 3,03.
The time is 6,05
